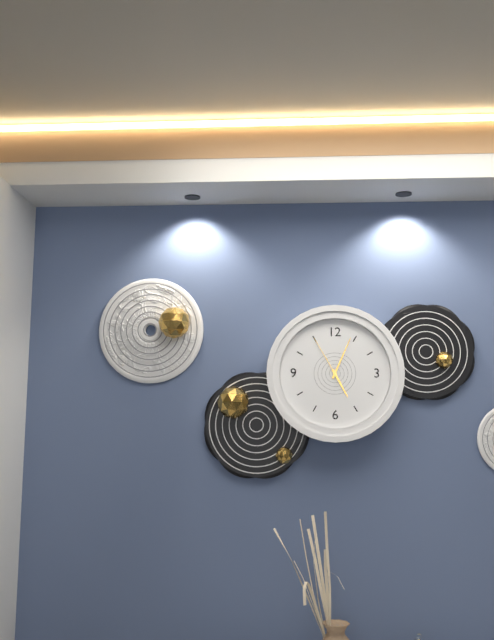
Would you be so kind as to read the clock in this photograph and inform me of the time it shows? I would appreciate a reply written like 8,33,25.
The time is 5,04,55
